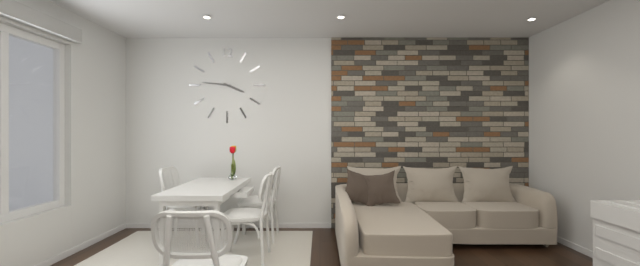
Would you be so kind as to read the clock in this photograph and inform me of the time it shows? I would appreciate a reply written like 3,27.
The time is 3,46
